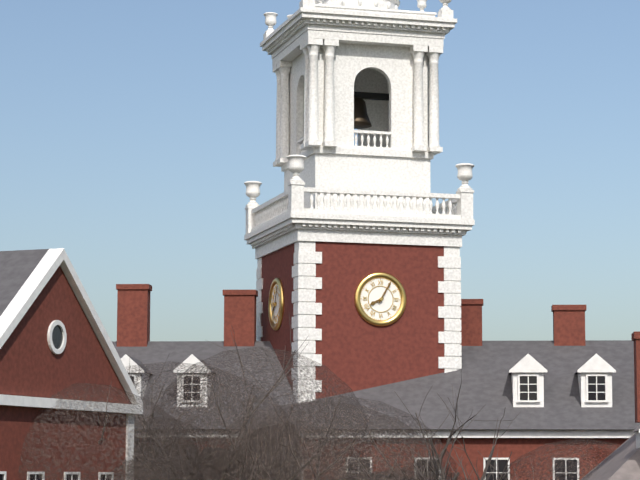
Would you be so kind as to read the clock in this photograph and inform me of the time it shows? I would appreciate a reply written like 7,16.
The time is 8,05
